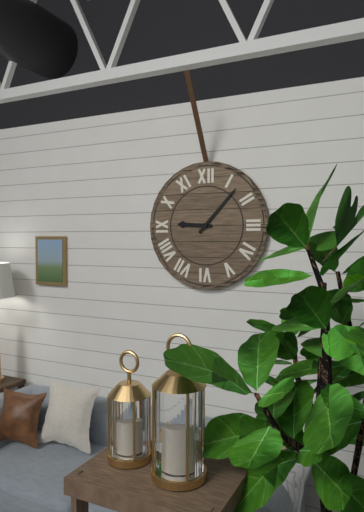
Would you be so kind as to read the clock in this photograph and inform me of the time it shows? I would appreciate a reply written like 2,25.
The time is 9,07
